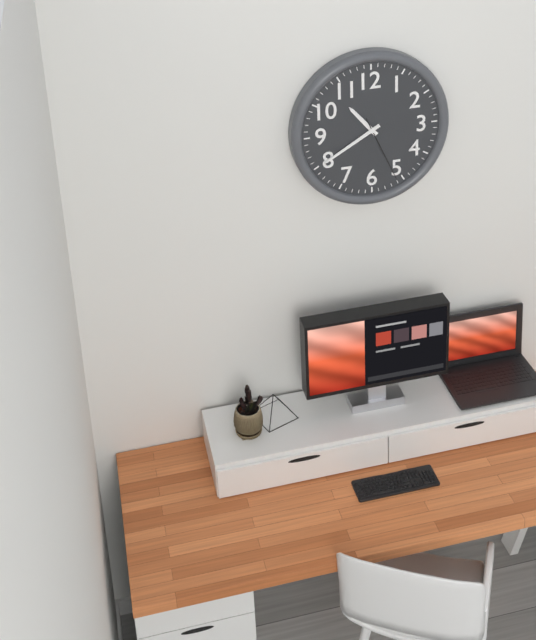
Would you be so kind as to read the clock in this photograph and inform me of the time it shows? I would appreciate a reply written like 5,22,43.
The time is 10,40,26
